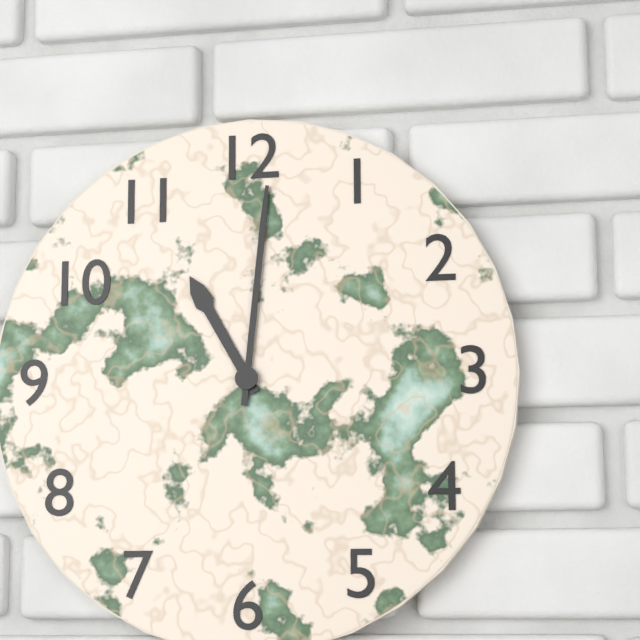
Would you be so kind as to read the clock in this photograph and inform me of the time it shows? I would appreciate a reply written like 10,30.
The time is 11,01
